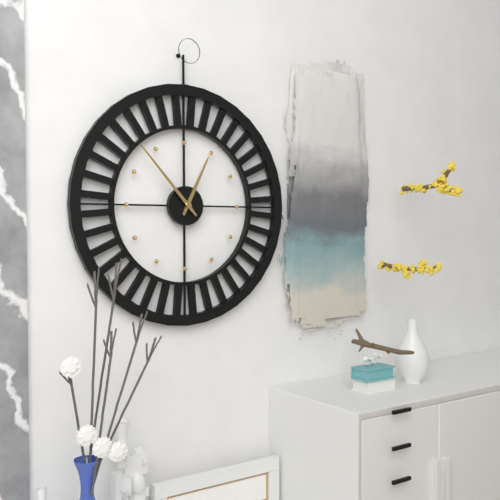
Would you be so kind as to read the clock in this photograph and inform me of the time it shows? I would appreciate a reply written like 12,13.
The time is 12,53
